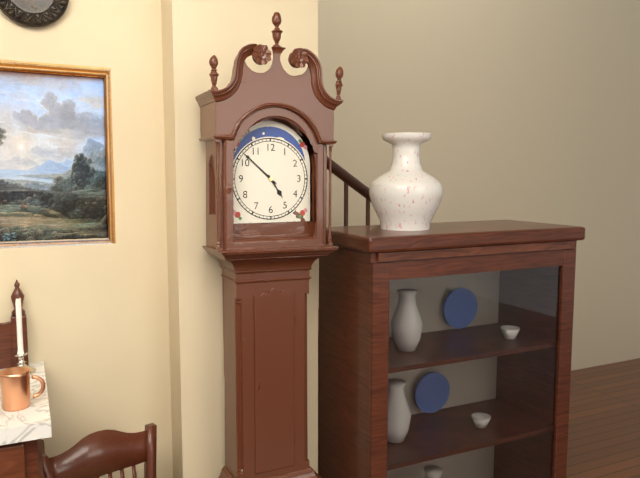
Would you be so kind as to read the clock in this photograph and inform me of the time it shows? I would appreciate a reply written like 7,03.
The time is 4,52
